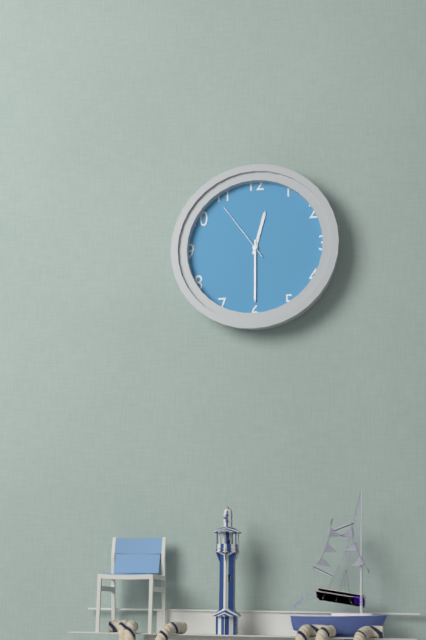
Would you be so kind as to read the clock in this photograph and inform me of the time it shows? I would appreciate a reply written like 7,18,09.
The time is 12,30,54
